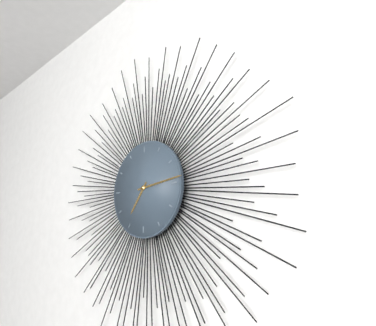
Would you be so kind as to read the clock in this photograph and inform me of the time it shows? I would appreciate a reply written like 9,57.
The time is 7,14
